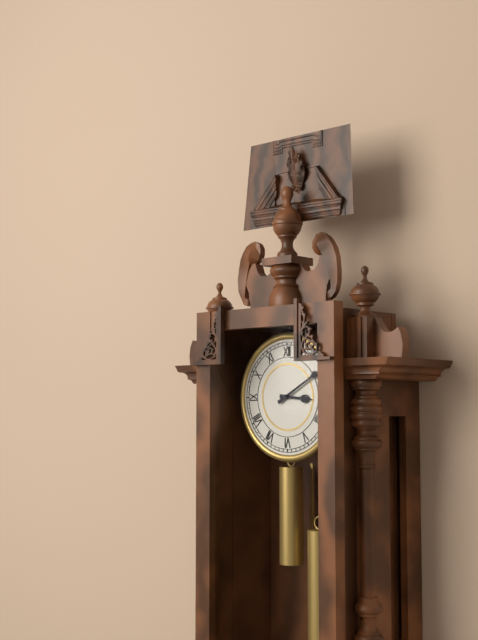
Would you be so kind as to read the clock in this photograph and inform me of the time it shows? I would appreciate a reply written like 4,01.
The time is 3,10
